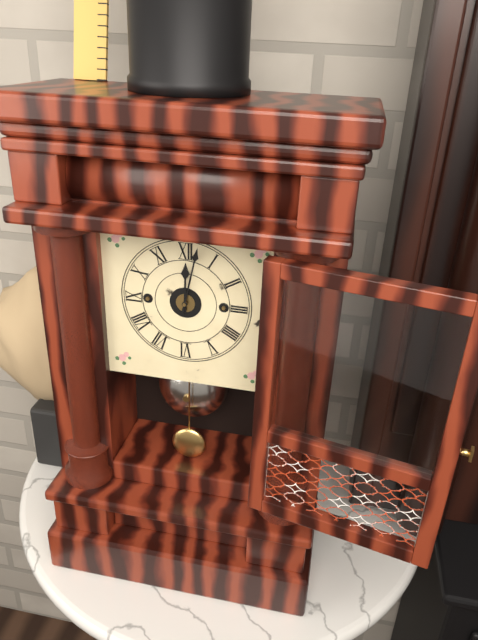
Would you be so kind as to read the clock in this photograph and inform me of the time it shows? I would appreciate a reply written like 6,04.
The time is 12,02
